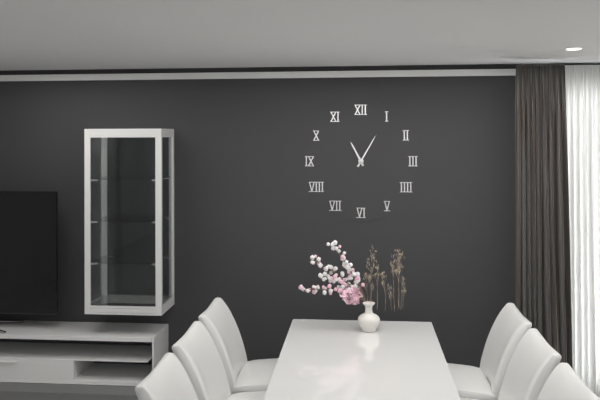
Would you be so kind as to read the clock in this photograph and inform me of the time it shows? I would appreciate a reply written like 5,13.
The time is 11,05
